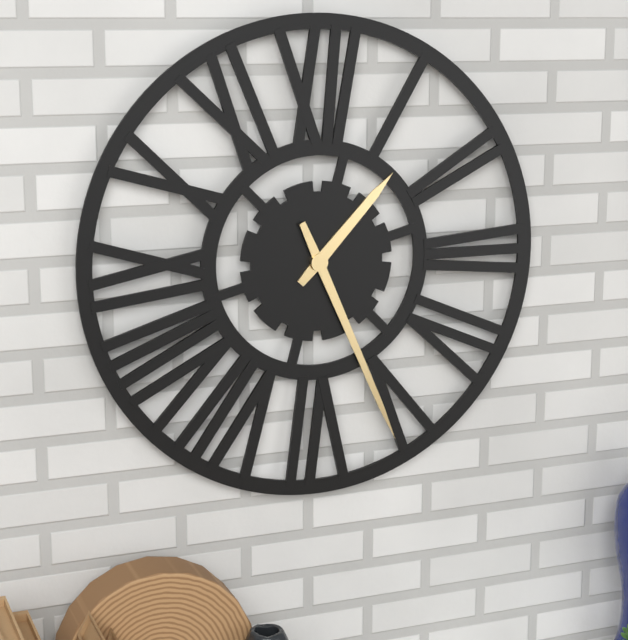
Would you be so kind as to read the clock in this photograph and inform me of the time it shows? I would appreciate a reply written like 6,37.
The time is 1,26
